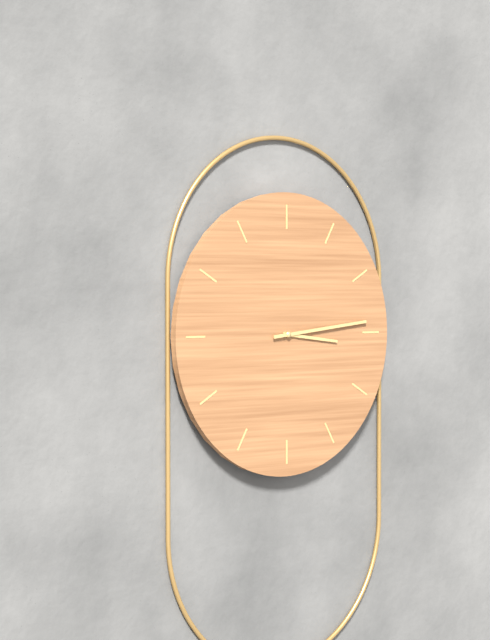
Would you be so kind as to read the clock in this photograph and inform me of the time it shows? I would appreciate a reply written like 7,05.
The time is 3,14
